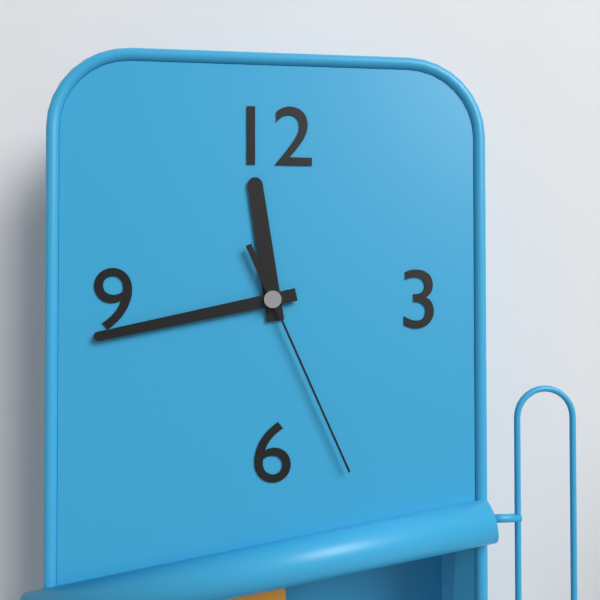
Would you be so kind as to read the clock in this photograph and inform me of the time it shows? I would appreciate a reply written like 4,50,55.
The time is 11,43,26
